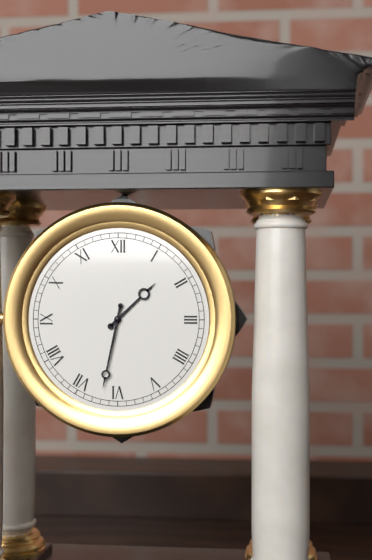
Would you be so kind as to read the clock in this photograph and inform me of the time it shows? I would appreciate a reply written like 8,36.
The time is 1,32
